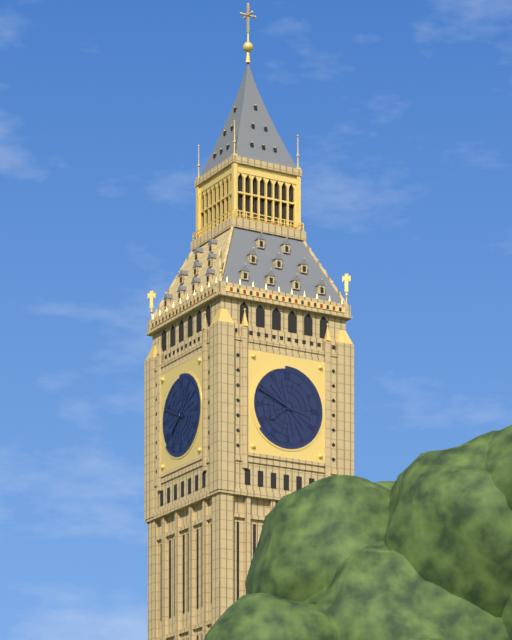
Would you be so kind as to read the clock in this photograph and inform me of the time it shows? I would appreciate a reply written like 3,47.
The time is 7,49
